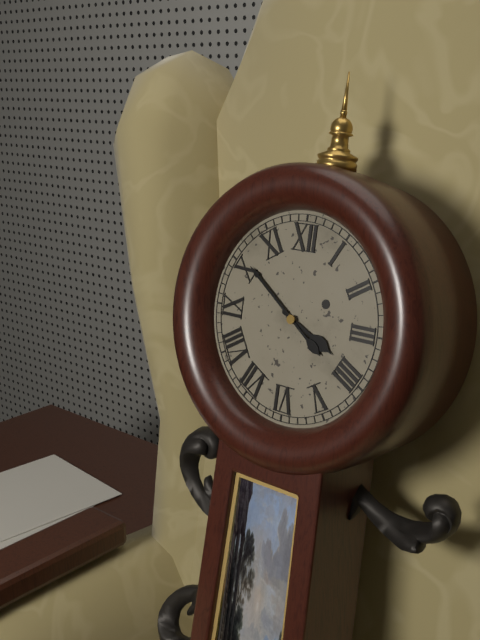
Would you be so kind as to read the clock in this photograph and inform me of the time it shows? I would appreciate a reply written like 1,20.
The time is 3,51
